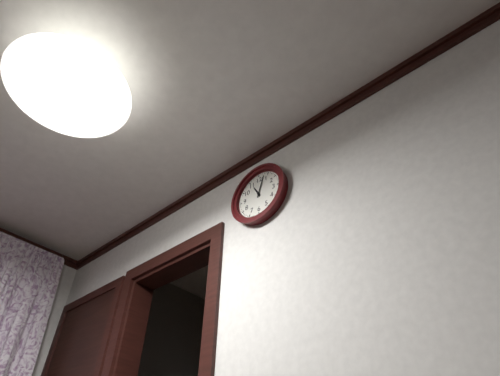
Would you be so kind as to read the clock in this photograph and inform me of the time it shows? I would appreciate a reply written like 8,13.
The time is 11,03
